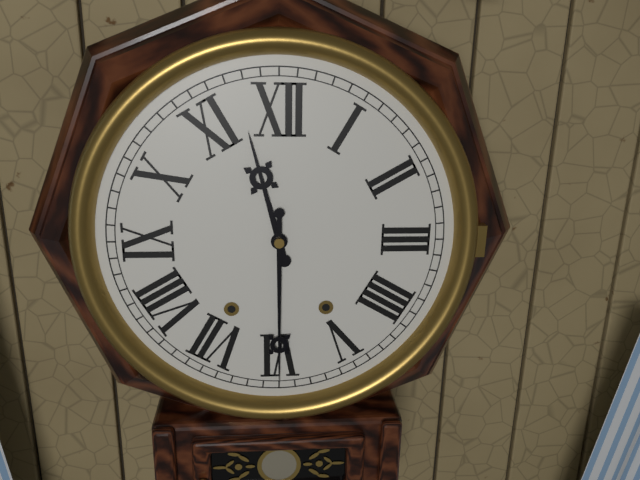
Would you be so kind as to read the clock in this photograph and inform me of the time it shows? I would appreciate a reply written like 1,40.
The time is 11,30
